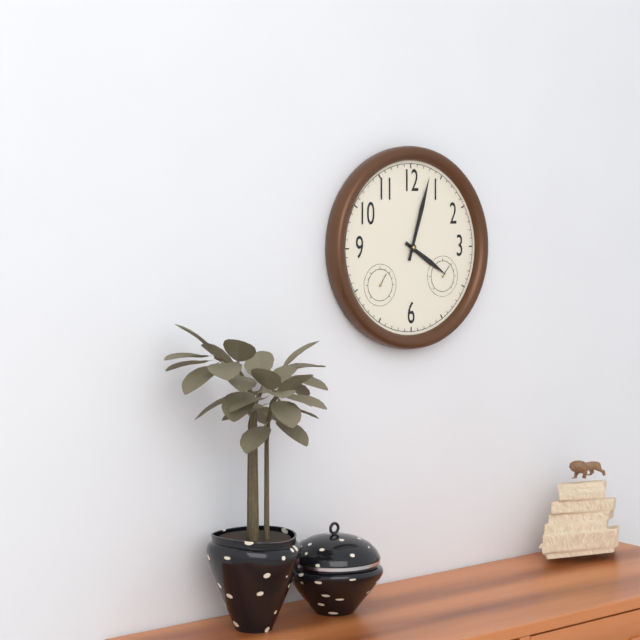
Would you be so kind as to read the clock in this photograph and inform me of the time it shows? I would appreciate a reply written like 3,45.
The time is 4,03
